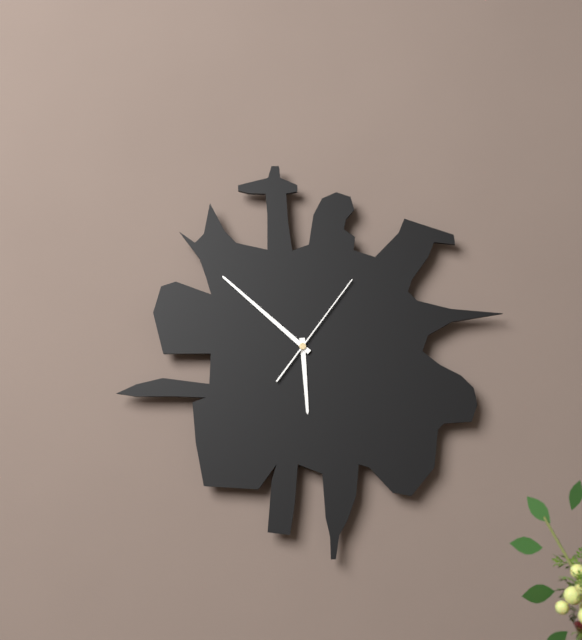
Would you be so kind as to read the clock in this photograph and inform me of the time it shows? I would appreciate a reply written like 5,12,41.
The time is 5,52,06
